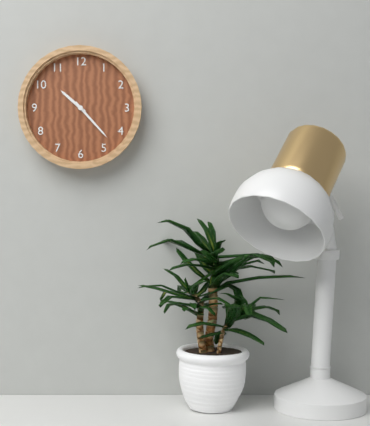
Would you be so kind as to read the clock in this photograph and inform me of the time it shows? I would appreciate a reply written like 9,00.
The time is 10,23
